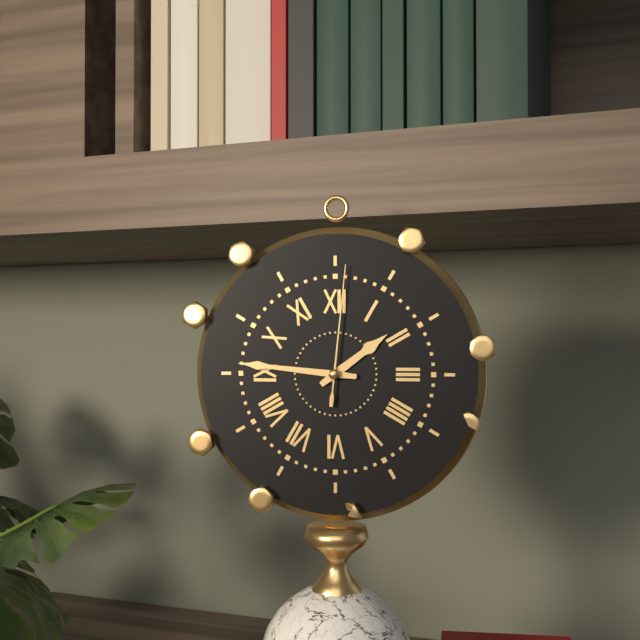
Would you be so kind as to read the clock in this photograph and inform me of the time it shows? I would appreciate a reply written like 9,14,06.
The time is 1,46,01
